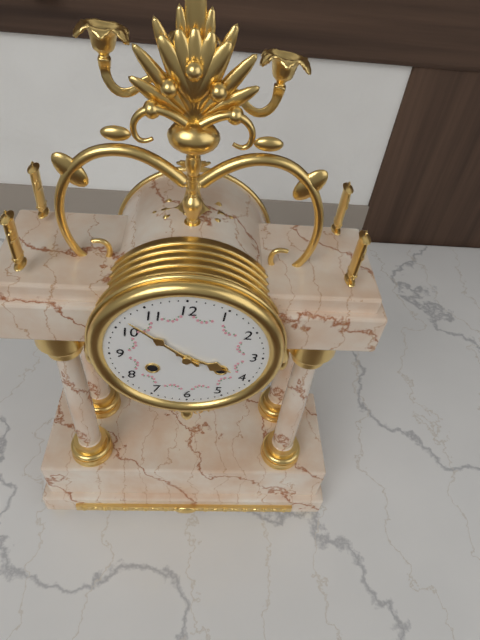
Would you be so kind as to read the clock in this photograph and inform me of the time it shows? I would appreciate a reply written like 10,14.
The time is 3,52
